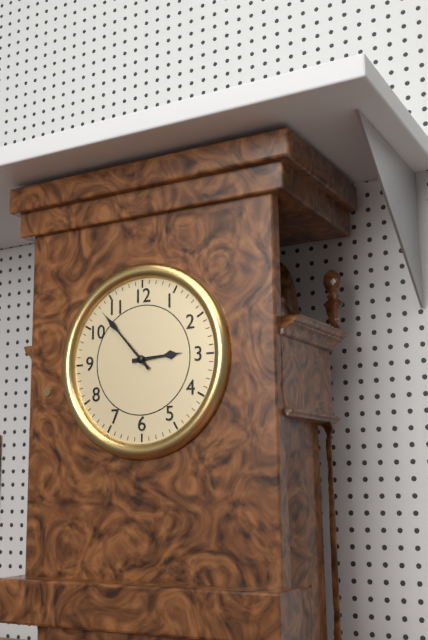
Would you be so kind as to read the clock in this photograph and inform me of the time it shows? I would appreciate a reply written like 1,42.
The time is 2,53
